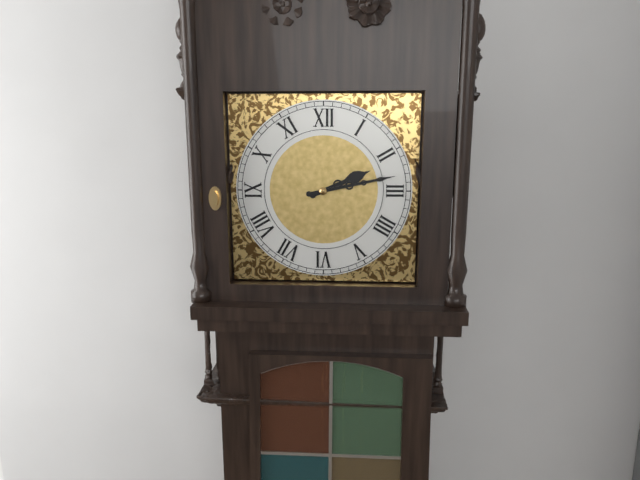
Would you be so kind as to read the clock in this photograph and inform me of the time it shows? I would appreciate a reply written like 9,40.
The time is 2,13
